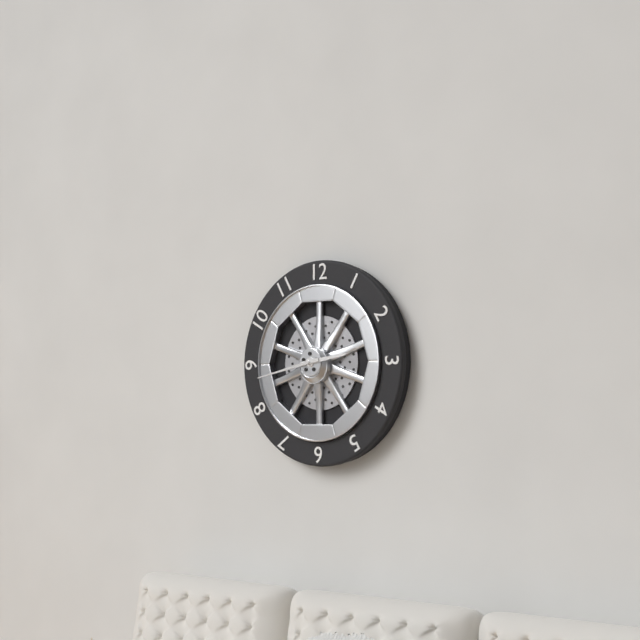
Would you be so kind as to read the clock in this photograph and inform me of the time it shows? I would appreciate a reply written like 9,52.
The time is 2,43
